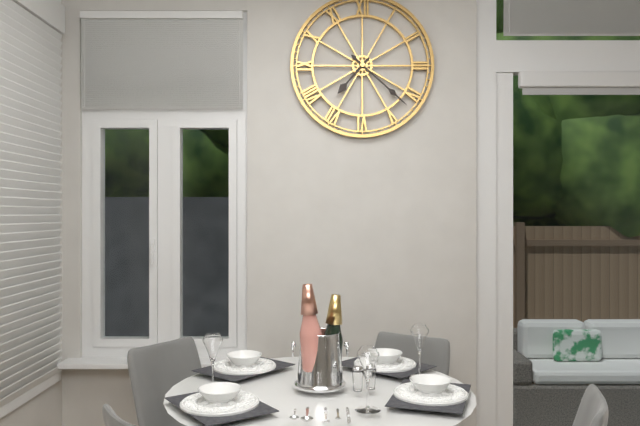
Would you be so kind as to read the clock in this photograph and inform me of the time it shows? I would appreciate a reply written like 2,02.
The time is 7,22
